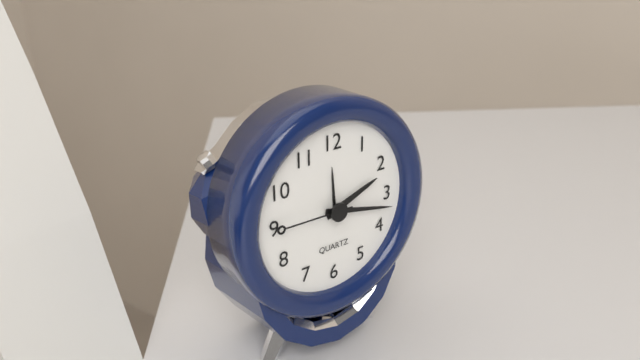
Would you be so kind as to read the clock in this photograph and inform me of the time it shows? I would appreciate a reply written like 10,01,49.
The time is 2,17,45
